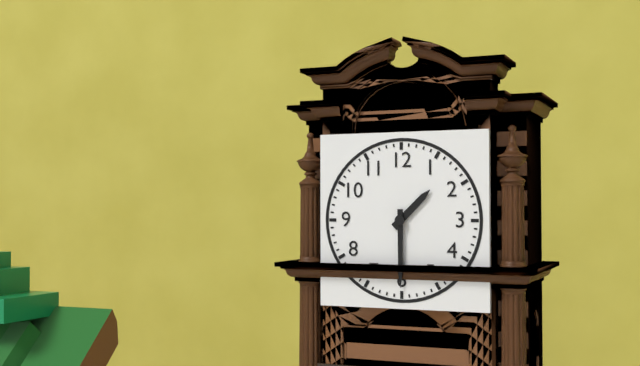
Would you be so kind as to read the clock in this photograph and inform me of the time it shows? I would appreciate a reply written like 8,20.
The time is 1,30
